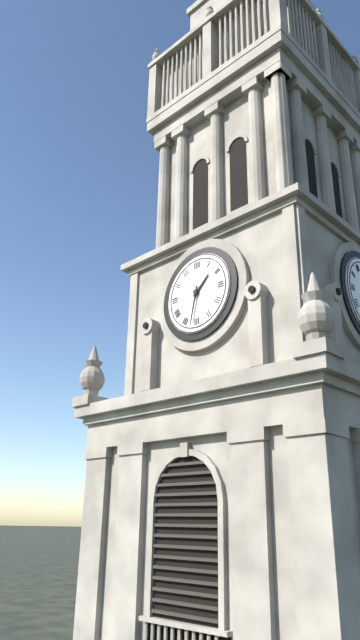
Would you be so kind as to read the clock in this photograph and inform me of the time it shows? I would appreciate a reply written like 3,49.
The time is 1,32
